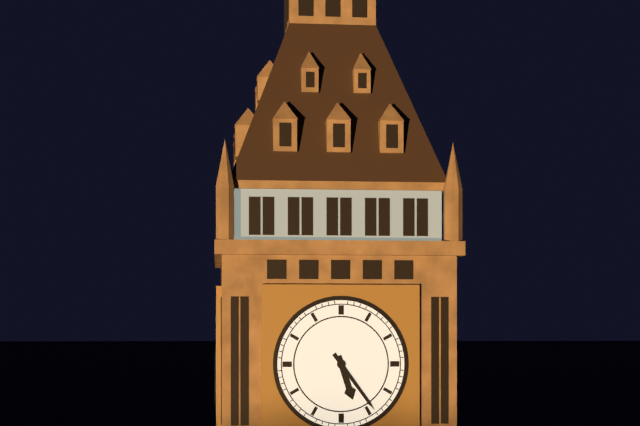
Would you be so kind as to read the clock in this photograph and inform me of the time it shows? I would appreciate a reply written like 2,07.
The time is 5,24
